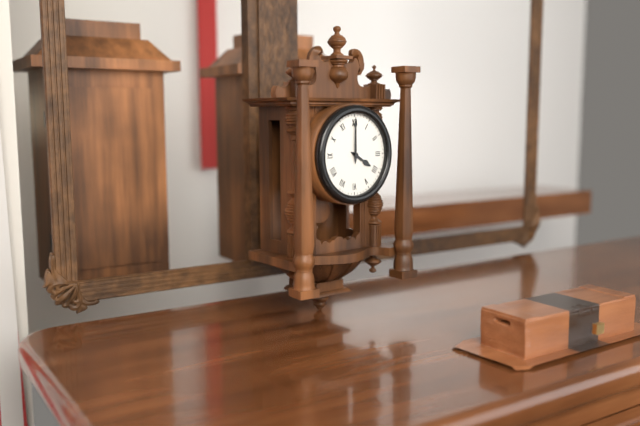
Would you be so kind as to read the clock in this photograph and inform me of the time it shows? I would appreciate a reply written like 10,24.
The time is 4,00
